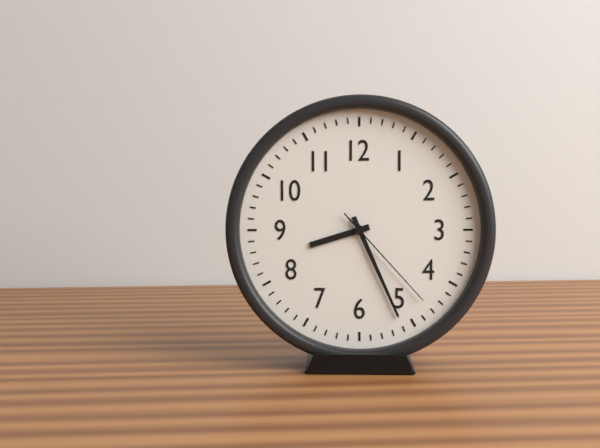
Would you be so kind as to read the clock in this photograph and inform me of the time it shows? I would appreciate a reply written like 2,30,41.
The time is 8,26,23
